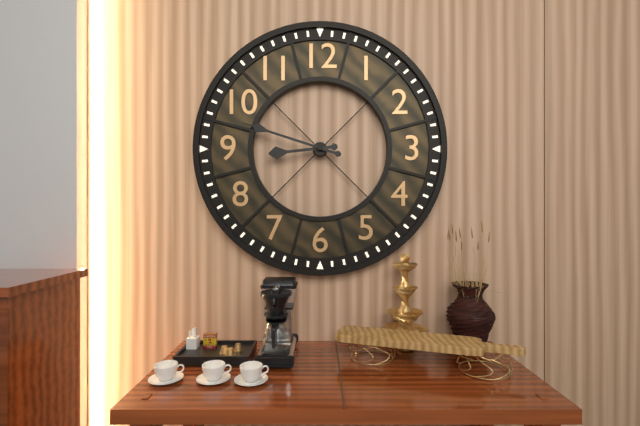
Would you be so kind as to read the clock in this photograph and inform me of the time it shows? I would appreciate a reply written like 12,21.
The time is 8,48
